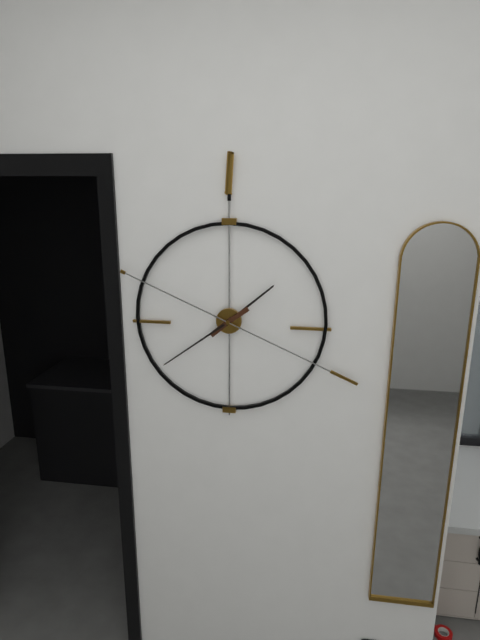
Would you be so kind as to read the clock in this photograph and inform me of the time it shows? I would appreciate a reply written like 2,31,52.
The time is 1,39,19
